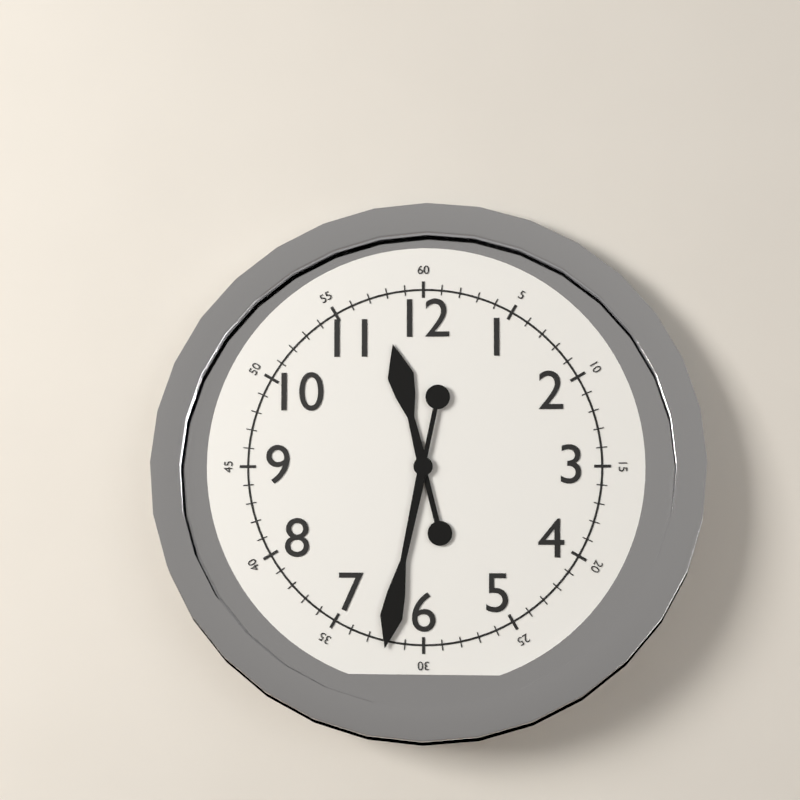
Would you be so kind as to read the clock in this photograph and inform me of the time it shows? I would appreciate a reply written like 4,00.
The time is 11,32
